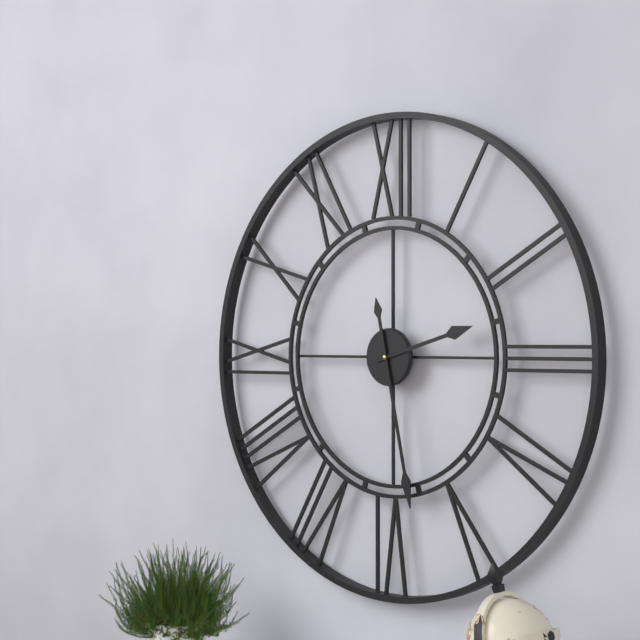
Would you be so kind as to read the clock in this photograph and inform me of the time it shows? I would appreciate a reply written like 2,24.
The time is 2,28
